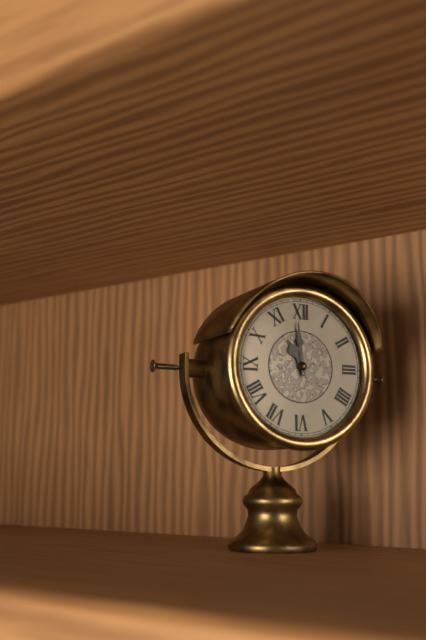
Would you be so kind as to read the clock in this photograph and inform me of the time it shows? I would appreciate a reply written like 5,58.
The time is 10,59
